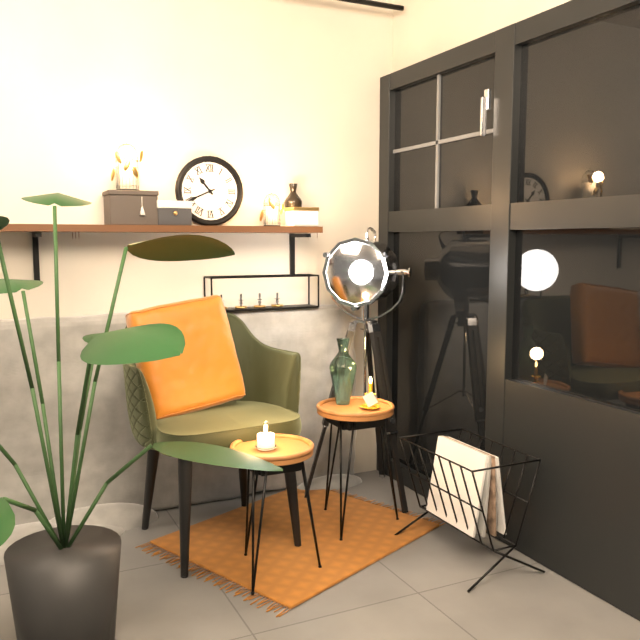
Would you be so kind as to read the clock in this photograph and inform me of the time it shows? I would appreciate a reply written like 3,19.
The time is 10,41
